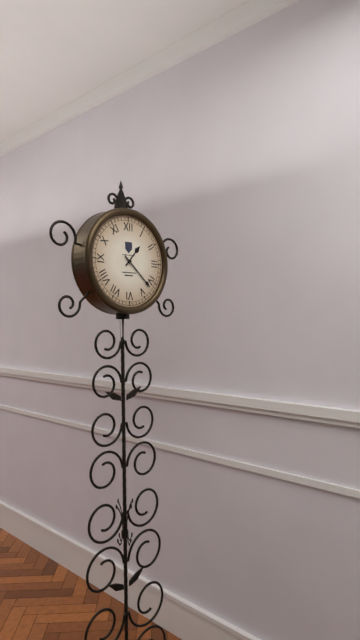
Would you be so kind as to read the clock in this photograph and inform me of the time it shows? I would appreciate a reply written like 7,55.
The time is 1,22
